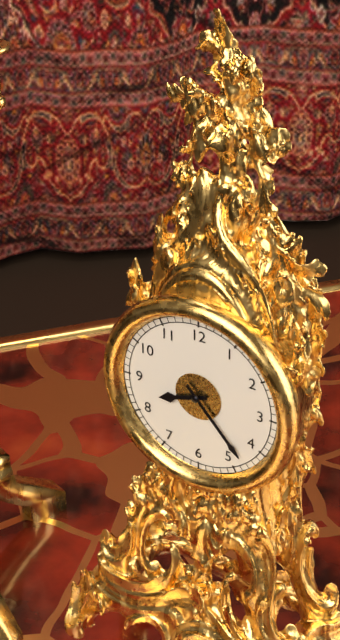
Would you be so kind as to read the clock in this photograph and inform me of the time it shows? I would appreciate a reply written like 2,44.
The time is 8,23
